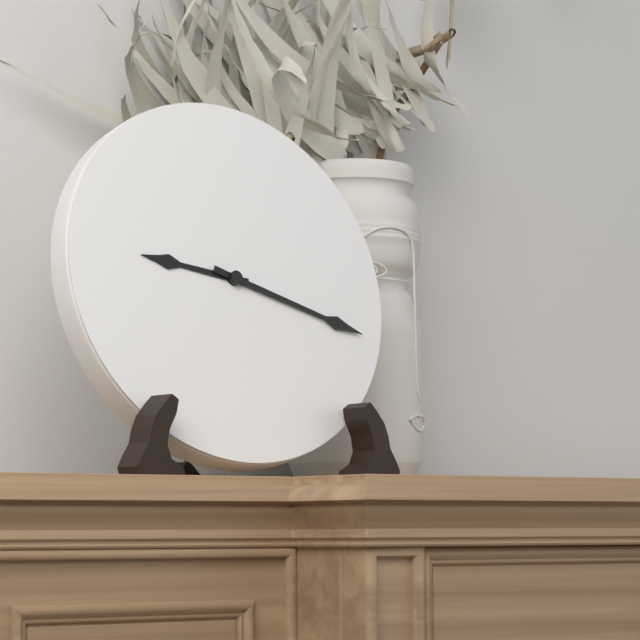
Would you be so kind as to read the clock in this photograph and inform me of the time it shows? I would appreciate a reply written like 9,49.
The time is 9,18
